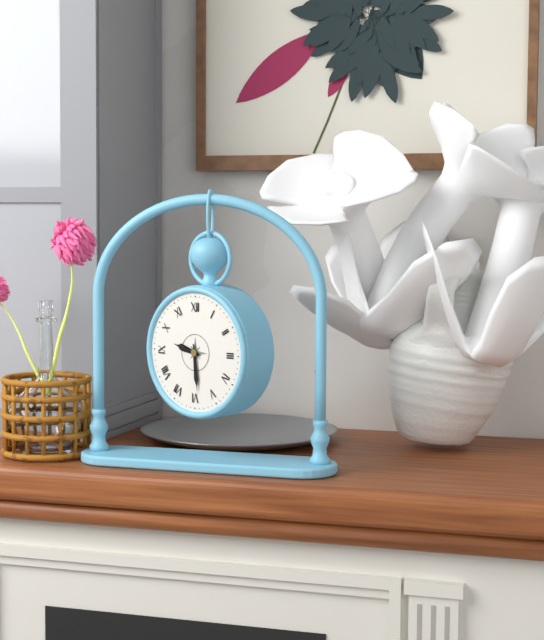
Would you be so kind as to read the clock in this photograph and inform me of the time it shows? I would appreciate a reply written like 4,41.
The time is 9,29
